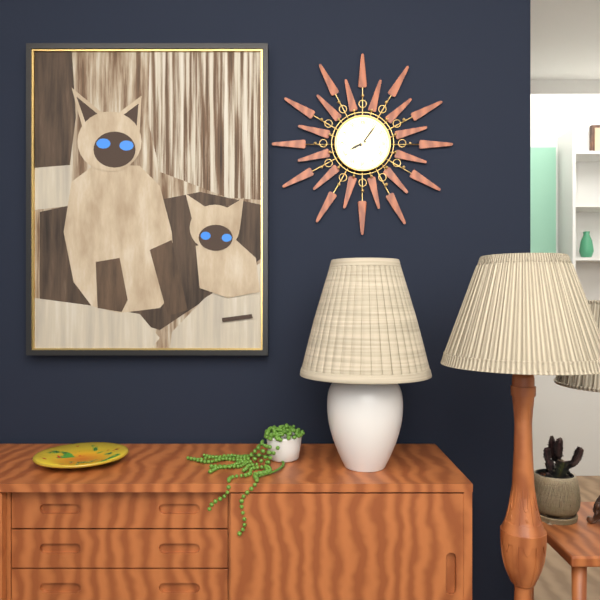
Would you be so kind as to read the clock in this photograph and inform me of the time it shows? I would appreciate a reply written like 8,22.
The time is 8,06
